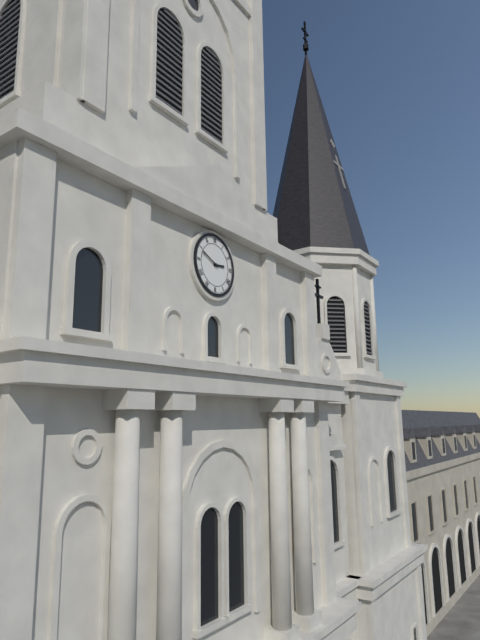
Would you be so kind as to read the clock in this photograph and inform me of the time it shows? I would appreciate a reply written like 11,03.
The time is 2,49
